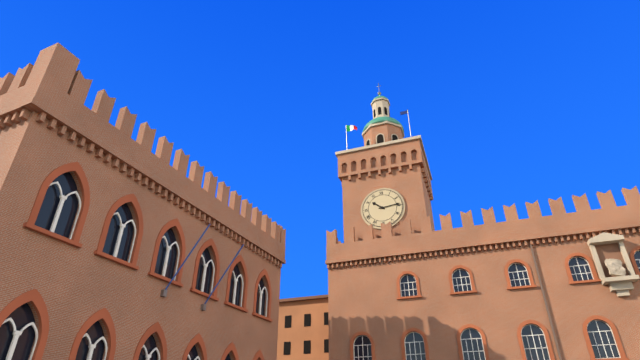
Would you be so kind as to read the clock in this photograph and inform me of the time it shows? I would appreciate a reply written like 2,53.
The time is 10,14
